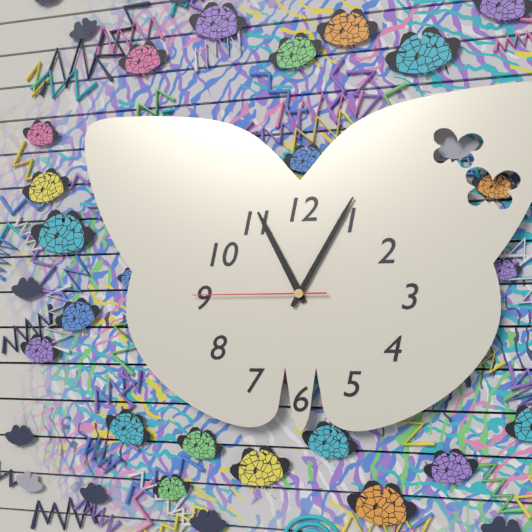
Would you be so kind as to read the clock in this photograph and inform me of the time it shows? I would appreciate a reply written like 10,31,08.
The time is 11,05,45
